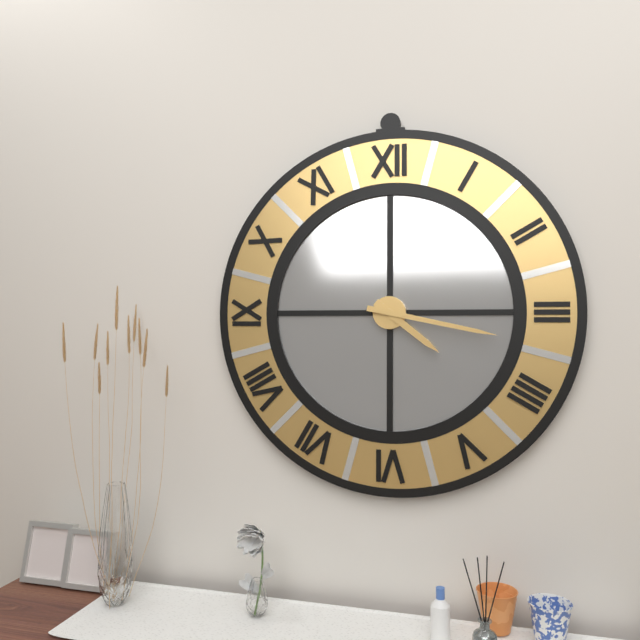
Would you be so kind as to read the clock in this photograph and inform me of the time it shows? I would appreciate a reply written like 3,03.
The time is 4,17
